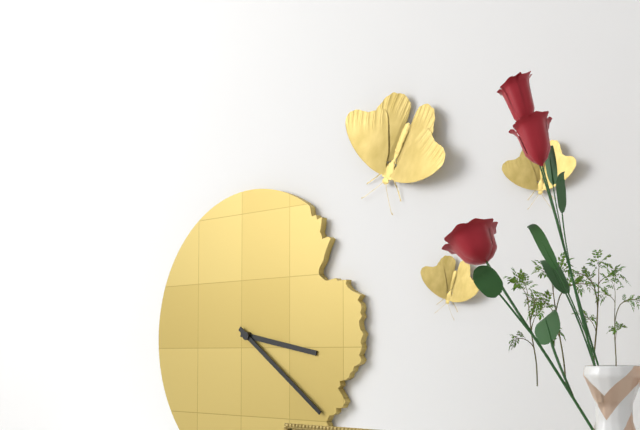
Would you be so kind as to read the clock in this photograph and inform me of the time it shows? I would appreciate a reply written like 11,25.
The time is 3,21
